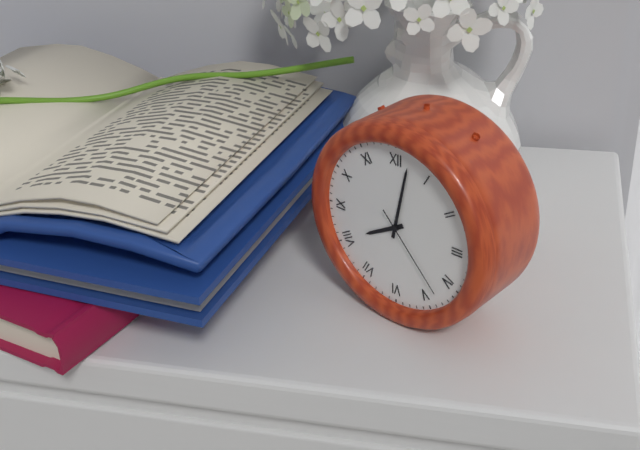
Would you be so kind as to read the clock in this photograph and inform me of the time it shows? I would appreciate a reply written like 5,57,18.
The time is 8,02,23
